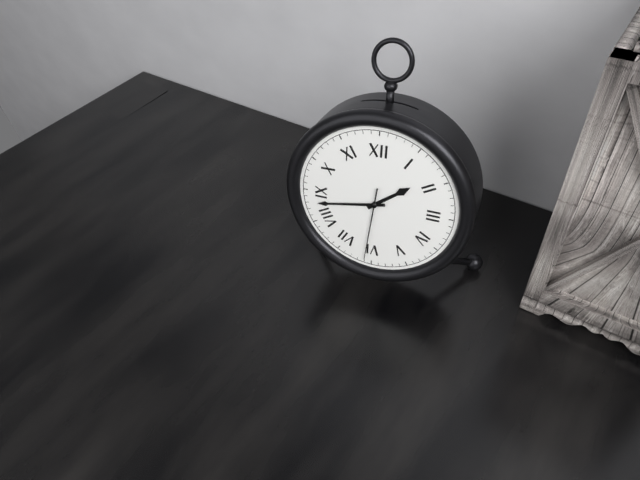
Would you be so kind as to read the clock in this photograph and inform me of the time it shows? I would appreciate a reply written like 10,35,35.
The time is 1,43,31
